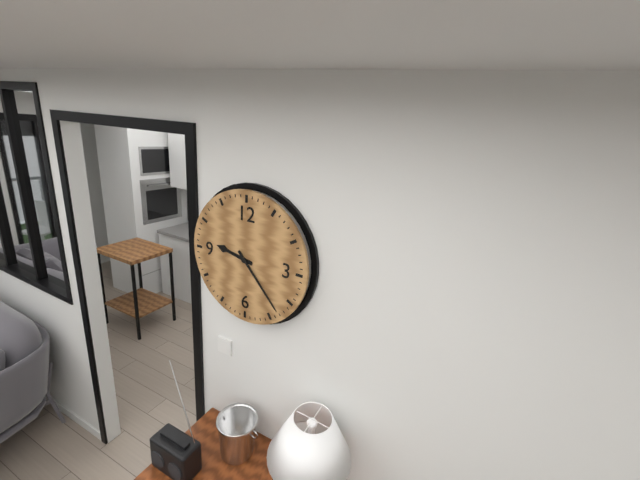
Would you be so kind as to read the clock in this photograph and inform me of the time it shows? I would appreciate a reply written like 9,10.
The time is 9,23
